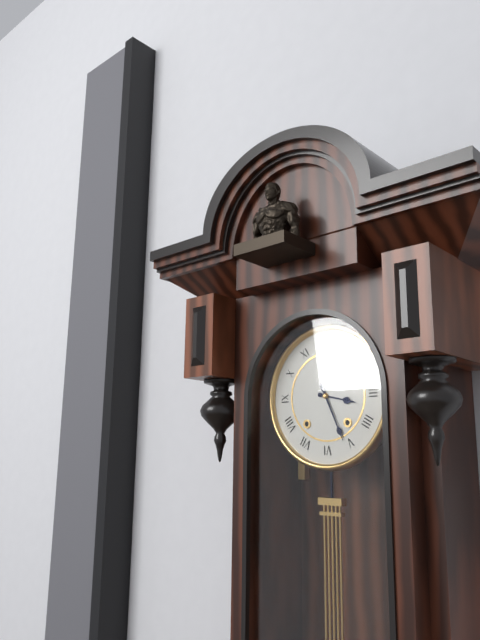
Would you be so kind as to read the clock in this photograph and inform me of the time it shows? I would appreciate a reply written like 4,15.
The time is 3,26
